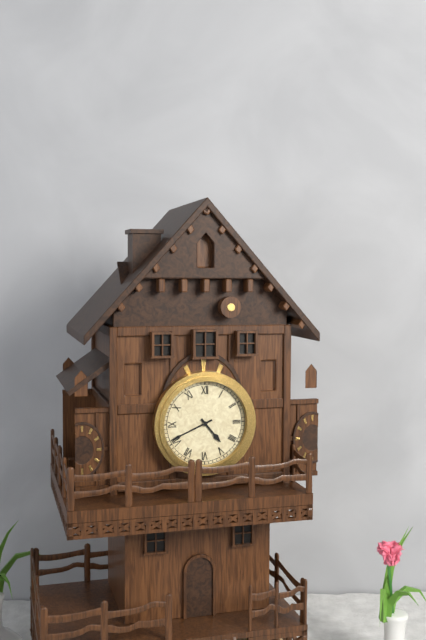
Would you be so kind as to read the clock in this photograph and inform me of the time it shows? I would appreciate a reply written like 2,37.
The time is 4,41
